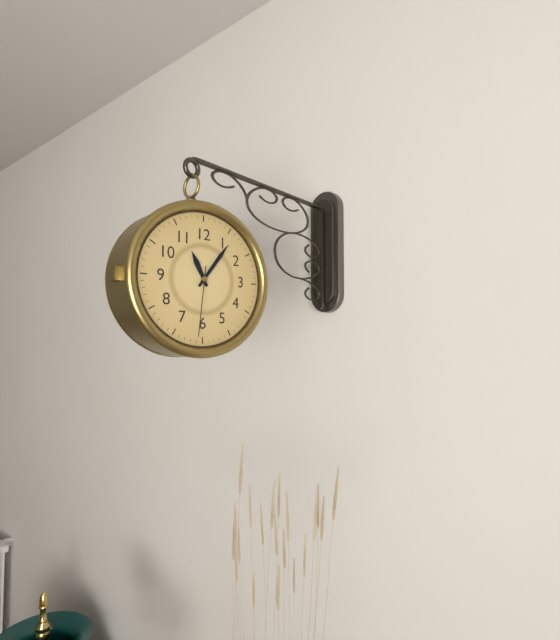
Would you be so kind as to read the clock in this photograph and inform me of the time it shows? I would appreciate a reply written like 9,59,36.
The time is 11,06,31
